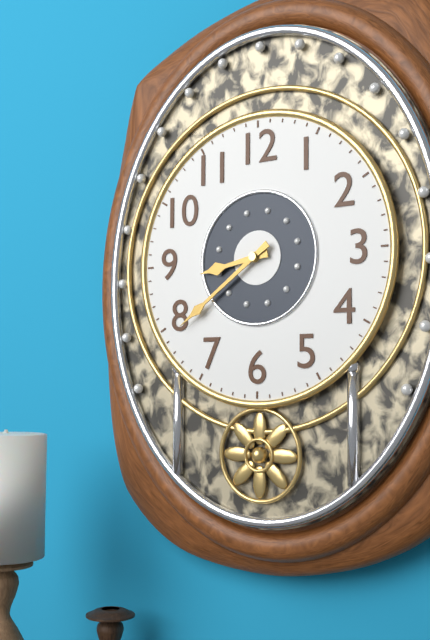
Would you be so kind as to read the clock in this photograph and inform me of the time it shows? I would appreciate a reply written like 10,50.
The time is 8,39
